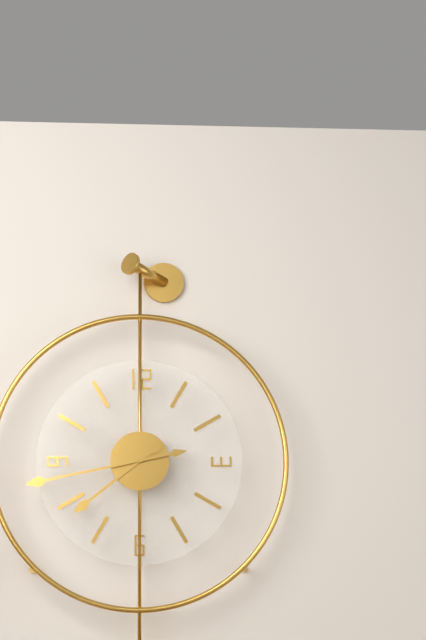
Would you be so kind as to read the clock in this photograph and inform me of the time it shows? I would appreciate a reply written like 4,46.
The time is 7,43
